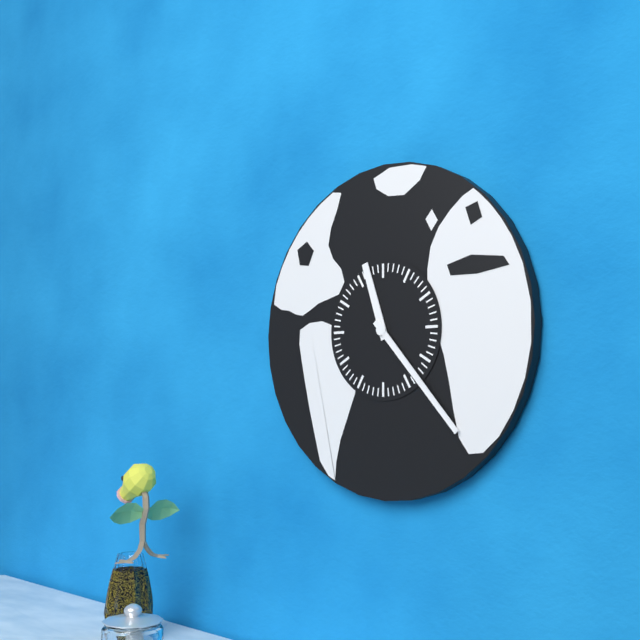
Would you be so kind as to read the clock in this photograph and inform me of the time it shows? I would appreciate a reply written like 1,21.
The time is 11,23
